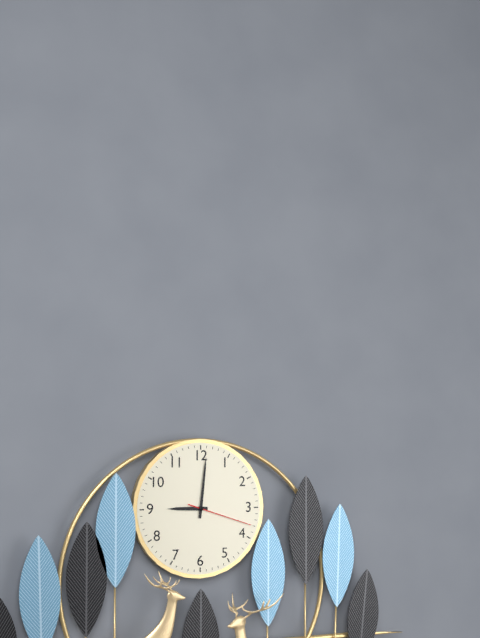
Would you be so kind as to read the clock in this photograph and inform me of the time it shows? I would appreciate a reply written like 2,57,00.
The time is 9,01,18
